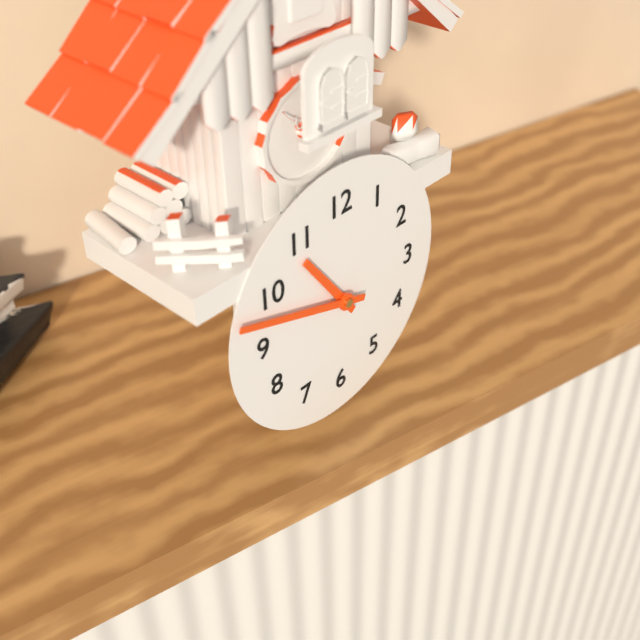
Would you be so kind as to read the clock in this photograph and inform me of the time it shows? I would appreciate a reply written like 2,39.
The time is 10,48
